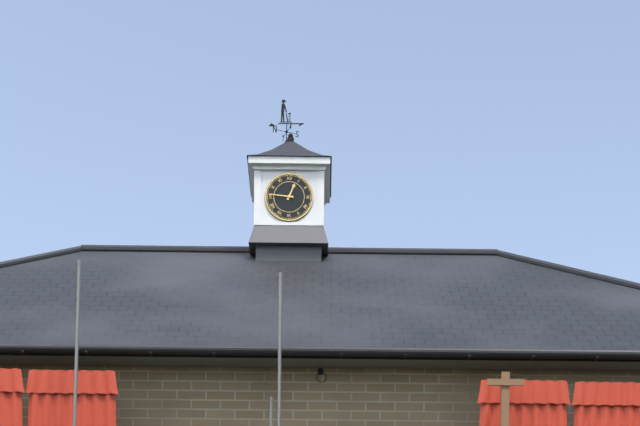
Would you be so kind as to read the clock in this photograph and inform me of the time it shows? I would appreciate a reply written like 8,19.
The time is 12,46
